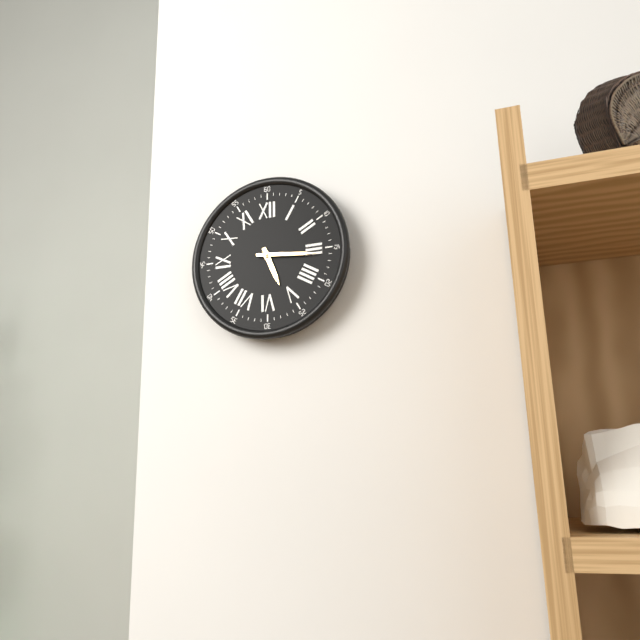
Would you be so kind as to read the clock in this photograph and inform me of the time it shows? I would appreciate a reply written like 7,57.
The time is 5,16
